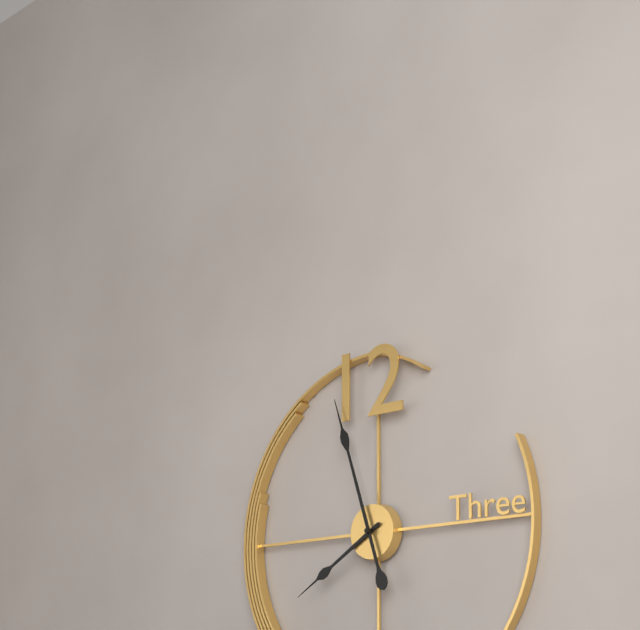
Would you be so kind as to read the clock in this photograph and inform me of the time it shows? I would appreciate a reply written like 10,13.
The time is 7,57
